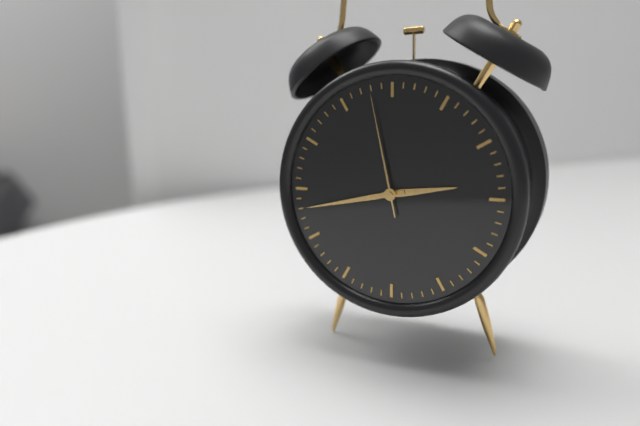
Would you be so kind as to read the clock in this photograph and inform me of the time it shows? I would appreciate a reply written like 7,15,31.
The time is 2,43,58
